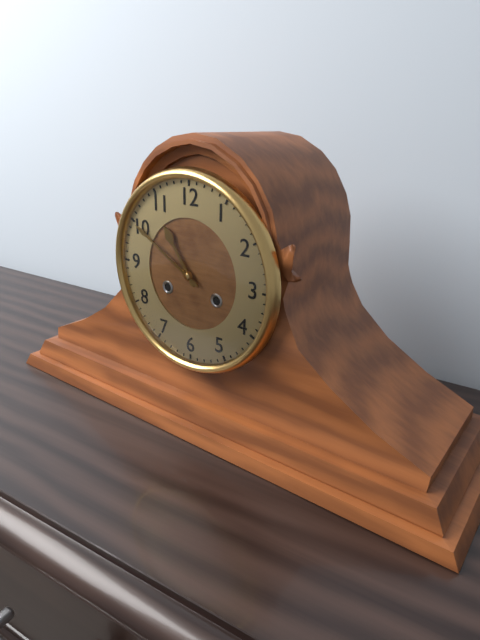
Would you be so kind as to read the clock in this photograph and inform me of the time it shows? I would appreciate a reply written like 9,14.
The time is 10,50
